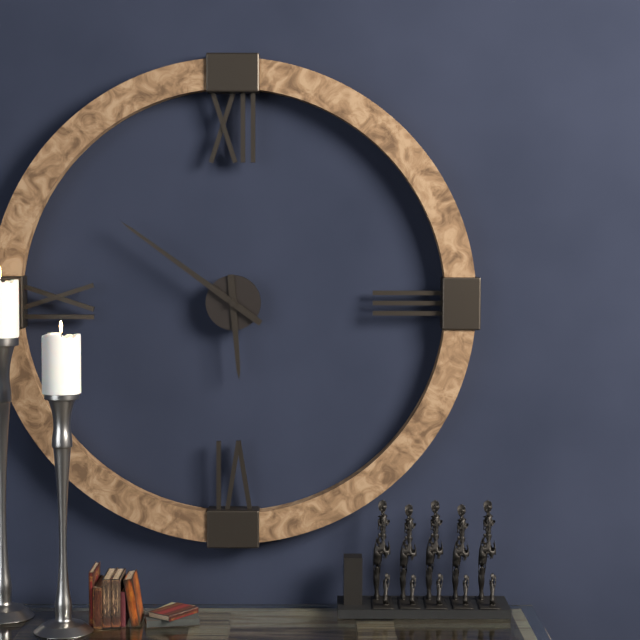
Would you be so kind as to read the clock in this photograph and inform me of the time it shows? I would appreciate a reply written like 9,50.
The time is 5,51
